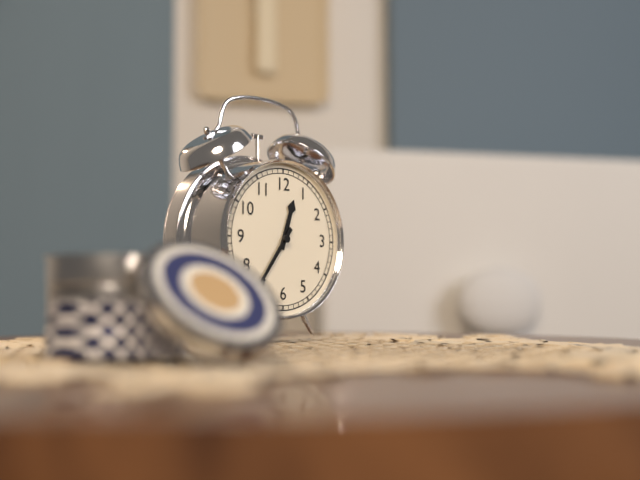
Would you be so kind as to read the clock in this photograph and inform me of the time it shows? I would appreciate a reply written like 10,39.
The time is 12,36
